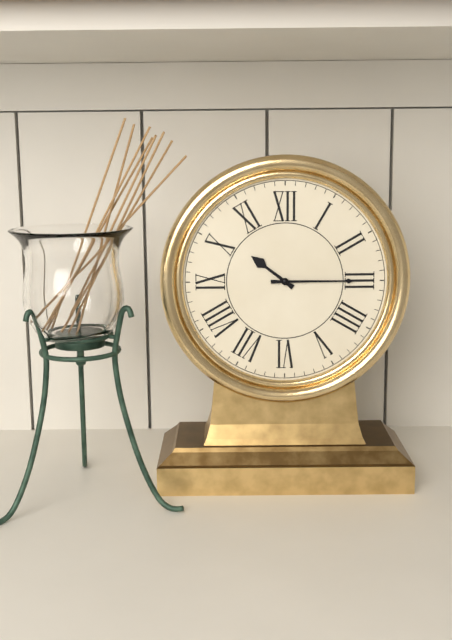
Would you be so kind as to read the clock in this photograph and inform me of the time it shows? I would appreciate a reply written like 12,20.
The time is 10,15
